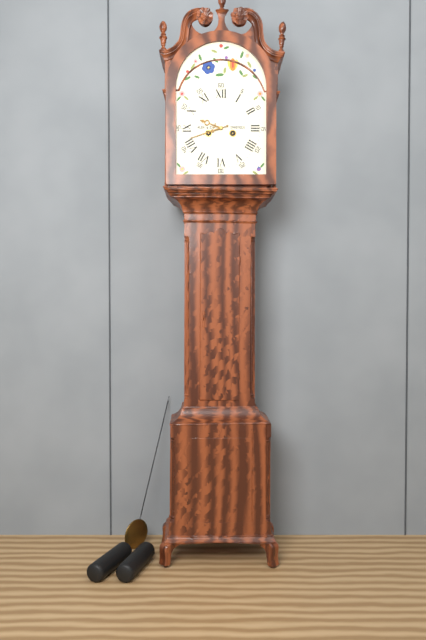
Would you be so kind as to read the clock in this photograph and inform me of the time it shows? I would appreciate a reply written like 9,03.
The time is 9,42
